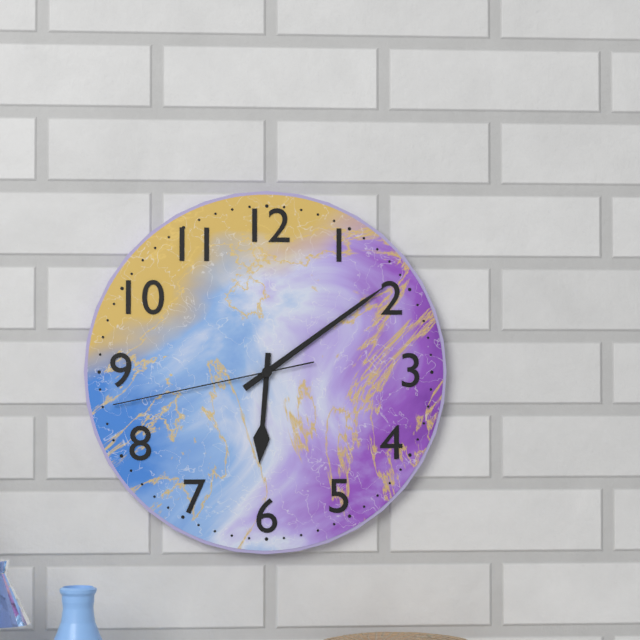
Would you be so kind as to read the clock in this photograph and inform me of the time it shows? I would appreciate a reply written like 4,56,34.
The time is 6,09,43
